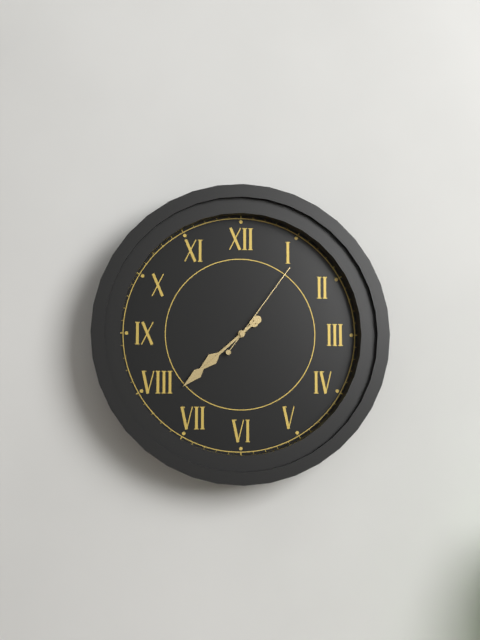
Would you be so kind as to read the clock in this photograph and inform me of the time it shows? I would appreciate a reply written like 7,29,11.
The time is 7,38,06
